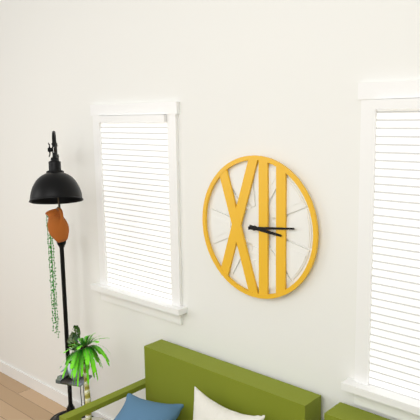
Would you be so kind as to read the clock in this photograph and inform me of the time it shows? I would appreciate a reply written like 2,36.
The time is 3,14
